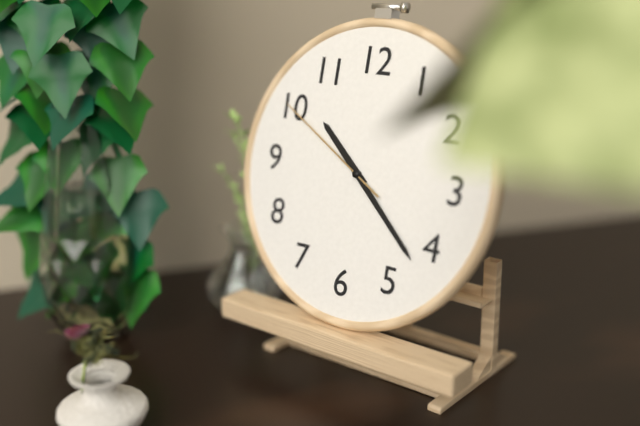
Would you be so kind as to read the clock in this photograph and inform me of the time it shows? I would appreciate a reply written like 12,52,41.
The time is 10,22,50
